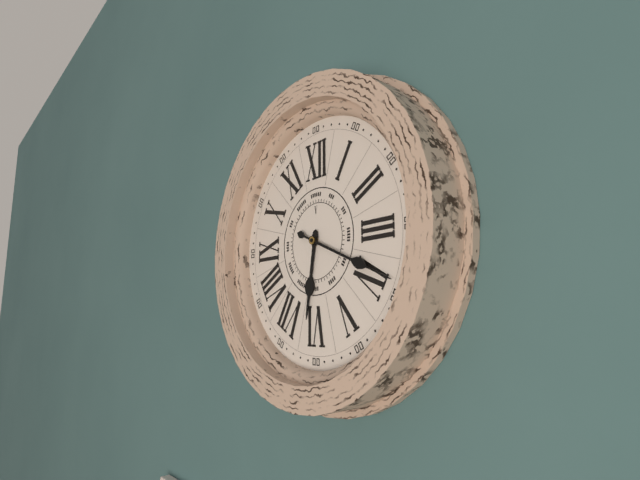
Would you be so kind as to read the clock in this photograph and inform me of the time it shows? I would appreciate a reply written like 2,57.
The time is 6,19
